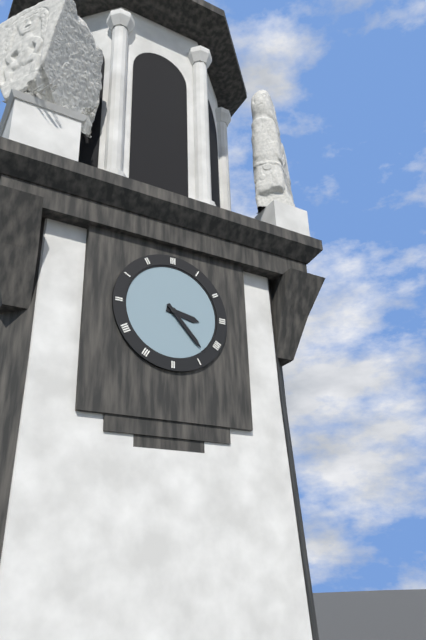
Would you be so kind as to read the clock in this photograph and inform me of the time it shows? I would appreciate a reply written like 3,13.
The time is 3,23
